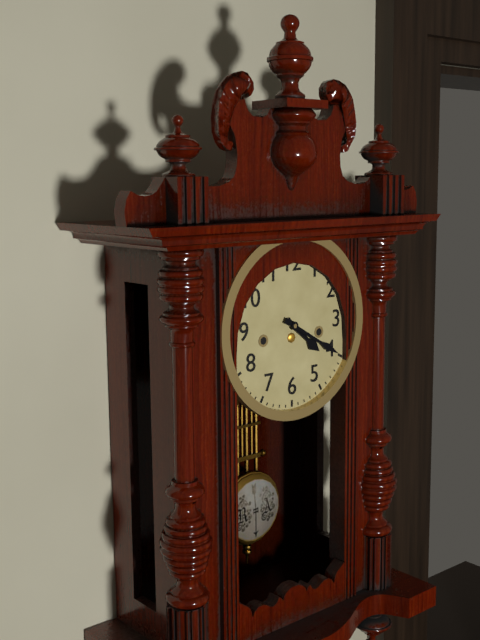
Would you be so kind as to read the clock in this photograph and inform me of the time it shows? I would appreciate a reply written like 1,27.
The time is 4,20
